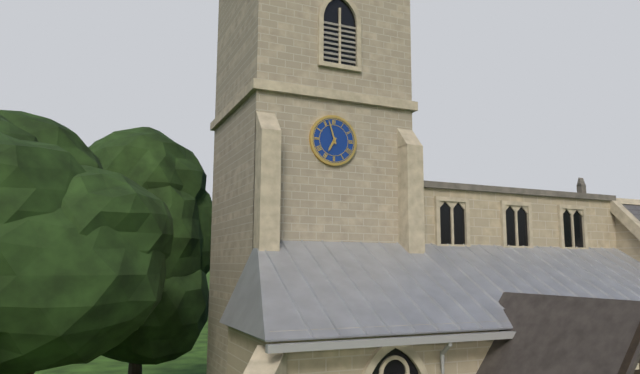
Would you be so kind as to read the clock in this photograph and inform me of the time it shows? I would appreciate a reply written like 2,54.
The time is 6,57
